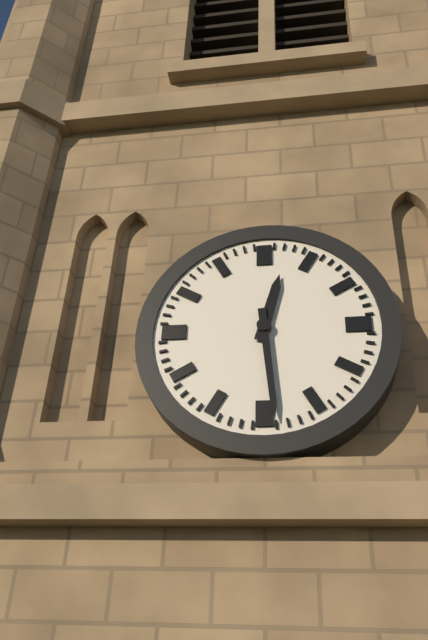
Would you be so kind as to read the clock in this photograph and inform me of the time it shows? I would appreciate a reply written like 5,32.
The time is 12,29
